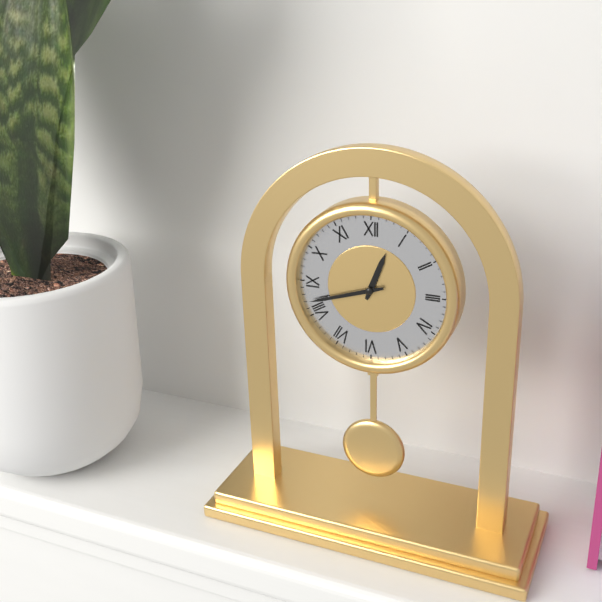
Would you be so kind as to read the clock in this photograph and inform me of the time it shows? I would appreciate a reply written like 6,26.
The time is 12,42
